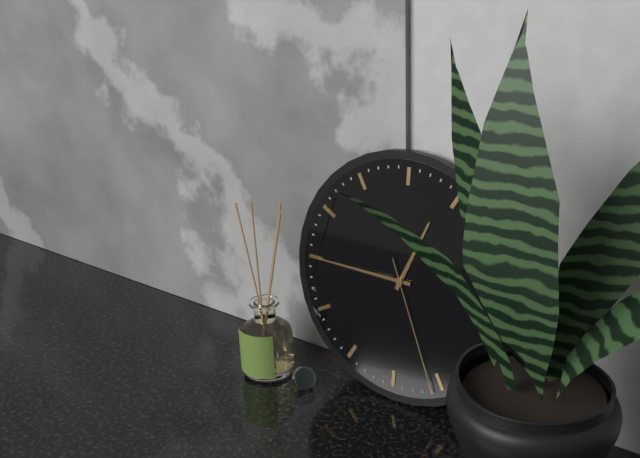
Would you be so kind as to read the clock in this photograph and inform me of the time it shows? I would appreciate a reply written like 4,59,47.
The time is 12,45,26
